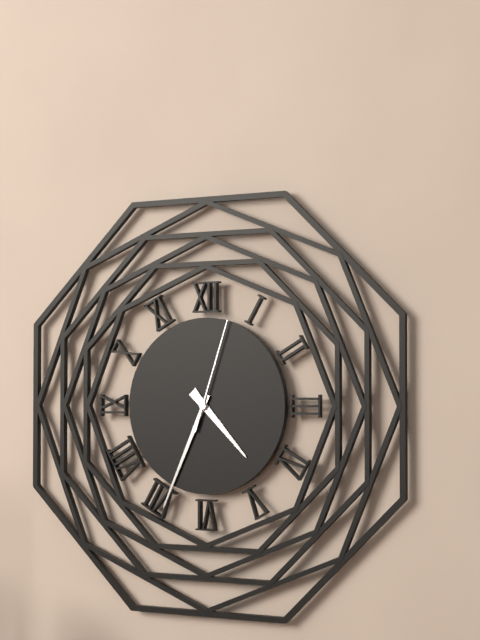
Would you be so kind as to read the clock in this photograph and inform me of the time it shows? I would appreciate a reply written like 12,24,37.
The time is 4,34,03
